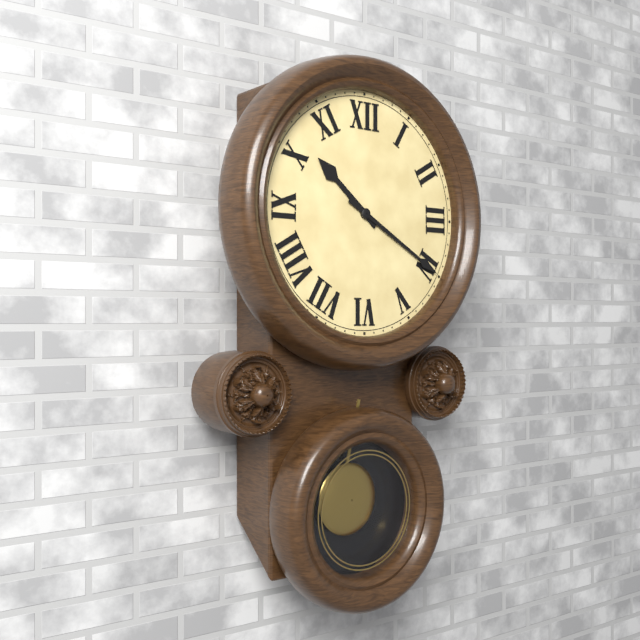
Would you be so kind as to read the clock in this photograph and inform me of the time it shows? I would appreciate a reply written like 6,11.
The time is 10,20
